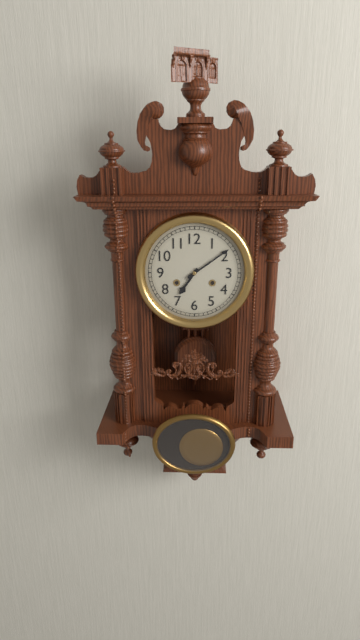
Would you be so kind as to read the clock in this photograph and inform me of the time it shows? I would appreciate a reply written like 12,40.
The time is 7,09
